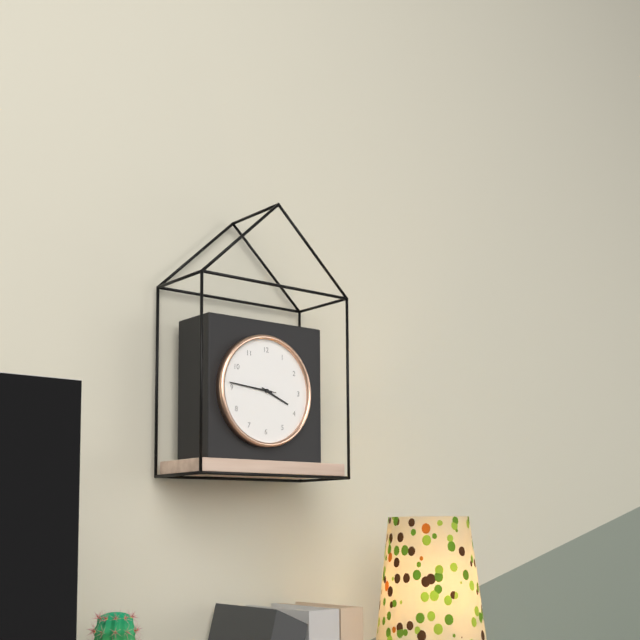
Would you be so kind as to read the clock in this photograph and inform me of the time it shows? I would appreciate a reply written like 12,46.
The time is 3,46
